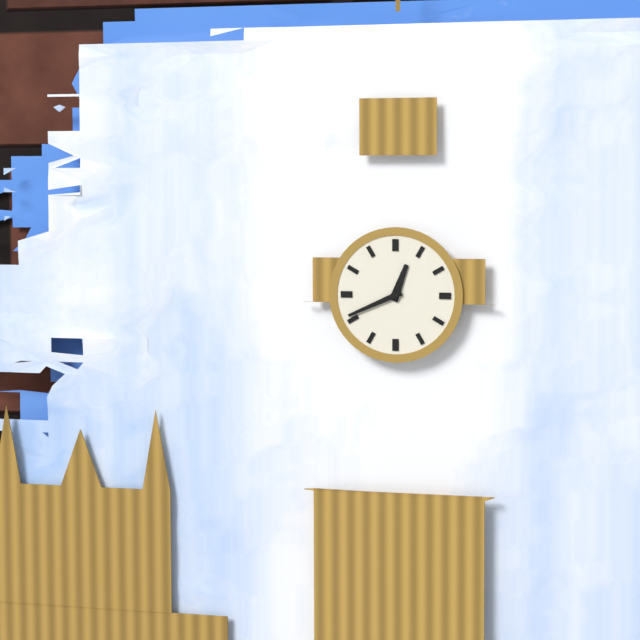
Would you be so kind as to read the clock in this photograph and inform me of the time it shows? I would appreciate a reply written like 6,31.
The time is 12,41
